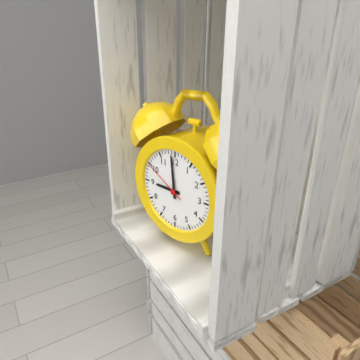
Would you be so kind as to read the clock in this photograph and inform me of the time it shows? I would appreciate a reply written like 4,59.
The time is 8,59
